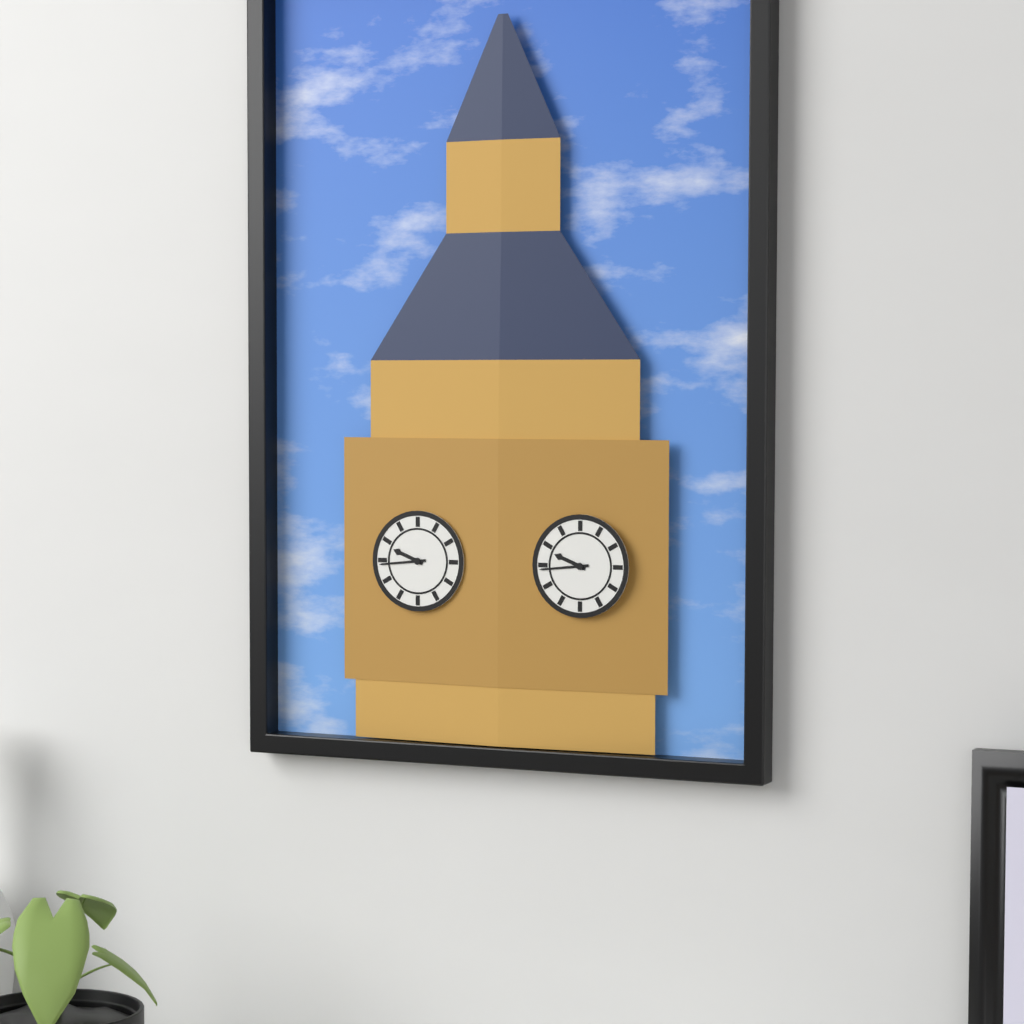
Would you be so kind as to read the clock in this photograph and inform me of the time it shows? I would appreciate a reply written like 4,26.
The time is 9,44
